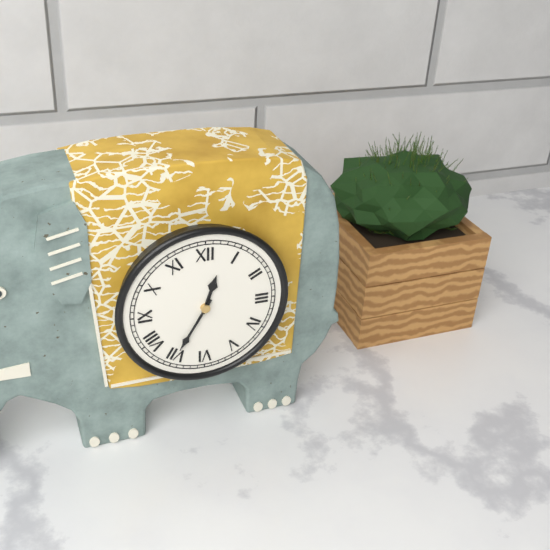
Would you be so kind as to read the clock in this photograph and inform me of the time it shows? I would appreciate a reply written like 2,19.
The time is 12,35
